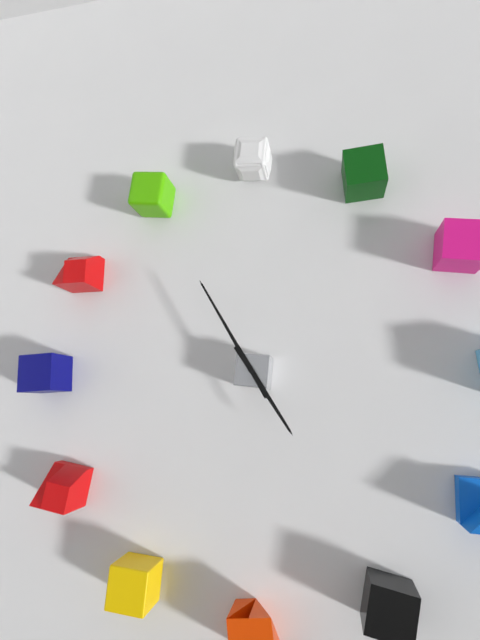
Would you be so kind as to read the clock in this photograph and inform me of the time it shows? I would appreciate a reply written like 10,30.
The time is 4,55
